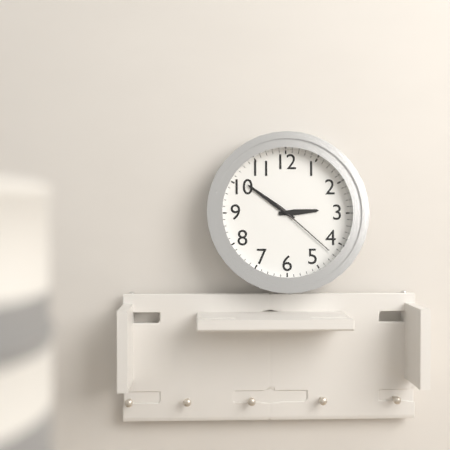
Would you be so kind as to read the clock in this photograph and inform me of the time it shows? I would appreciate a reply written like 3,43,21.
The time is 2,51,22
